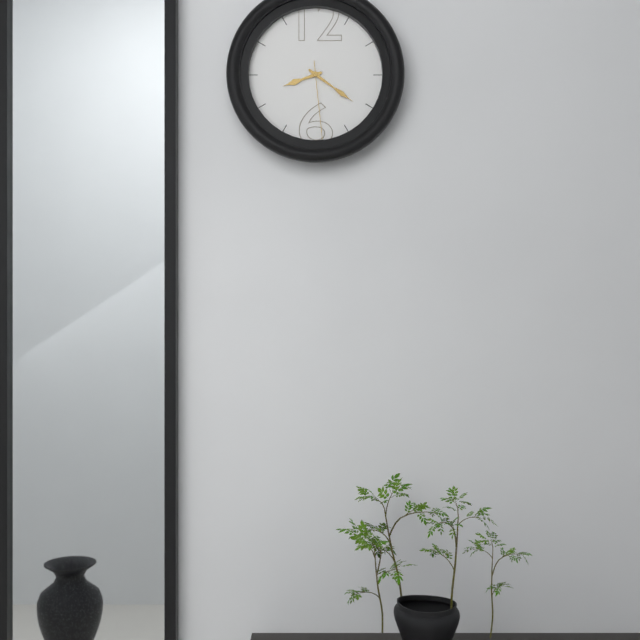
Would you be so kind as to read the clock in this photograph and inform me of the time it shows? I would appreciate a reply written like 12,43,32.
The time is 8,21,29
